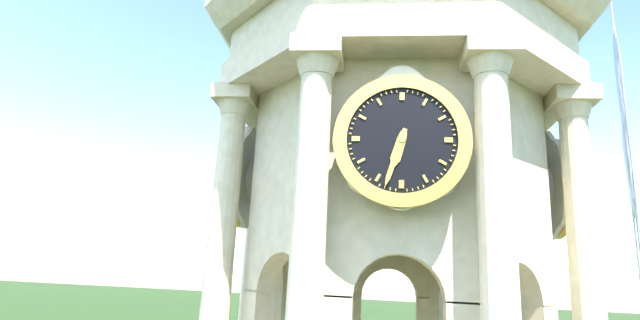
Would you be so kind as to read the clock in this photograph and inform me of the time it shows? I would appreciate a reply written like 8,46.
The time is 6,33
